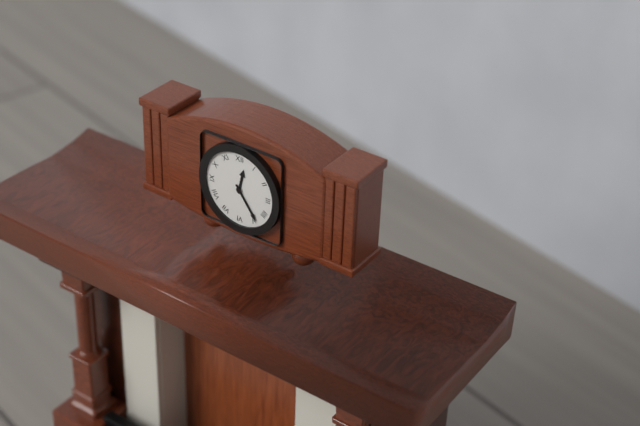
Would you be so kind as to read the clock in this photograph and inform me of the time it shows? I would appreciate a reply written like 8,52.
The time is 12,24
